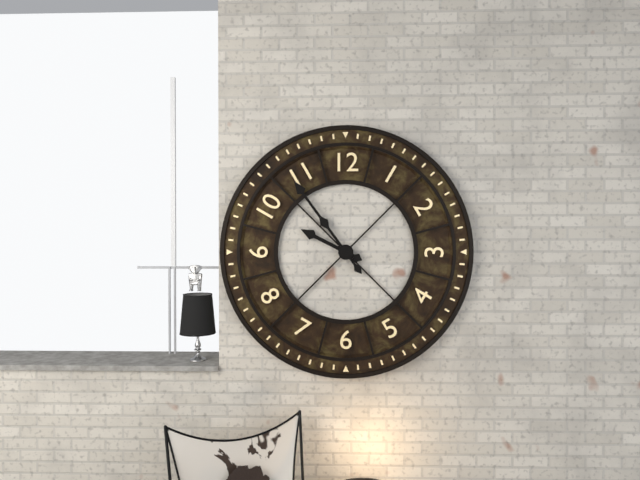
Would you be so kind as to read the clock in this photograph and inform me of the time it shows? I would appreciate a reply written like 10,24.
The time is 9,54
